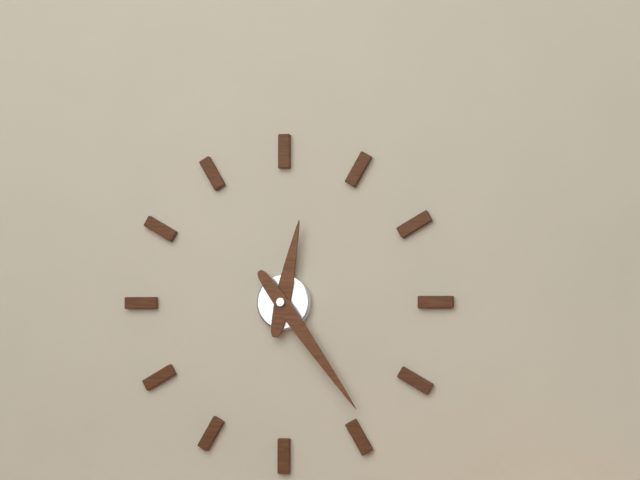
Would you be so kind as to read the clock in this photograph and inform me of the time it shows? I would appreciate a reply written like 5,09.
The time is 12,24
